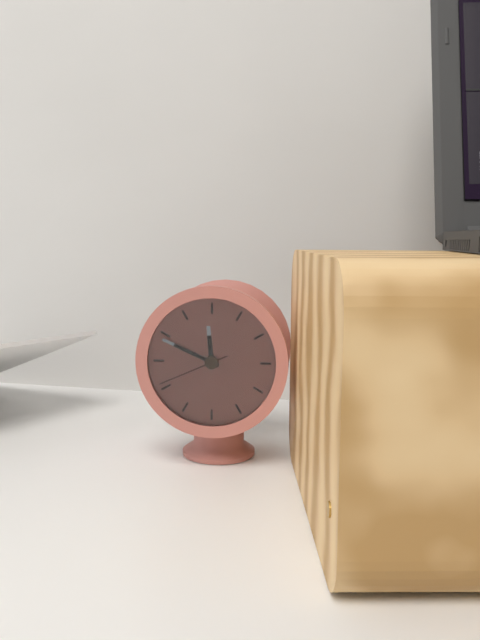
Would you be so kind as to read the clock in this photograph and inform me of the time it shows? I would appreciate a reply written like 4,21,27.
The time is 11,49,41
